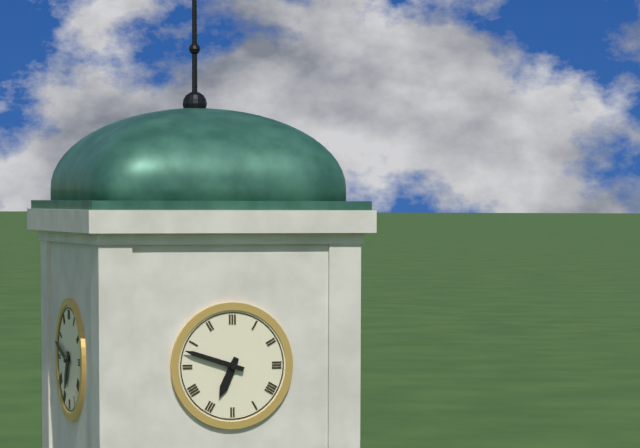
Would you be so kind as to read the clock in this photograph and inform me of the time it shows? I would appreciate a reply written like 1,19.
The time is 6,48
